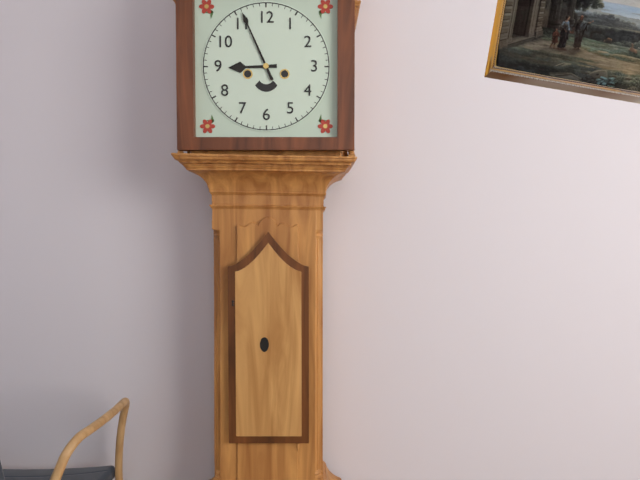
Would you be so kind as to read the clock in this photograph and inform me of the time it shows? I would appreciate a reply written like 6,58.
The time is 8,56
